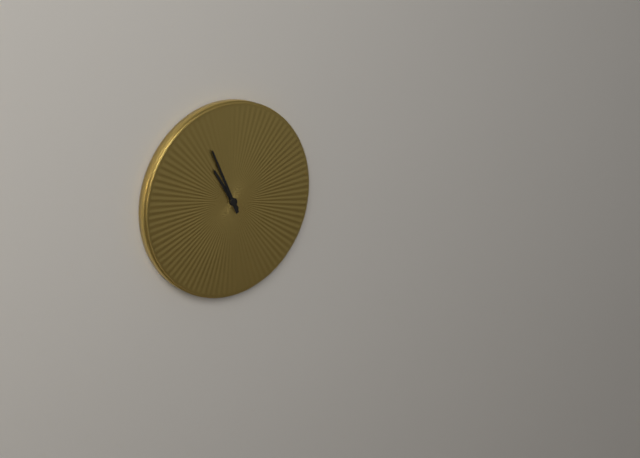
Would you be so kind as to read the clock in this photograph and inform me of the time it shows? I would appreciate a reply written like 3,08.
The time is 10,56
